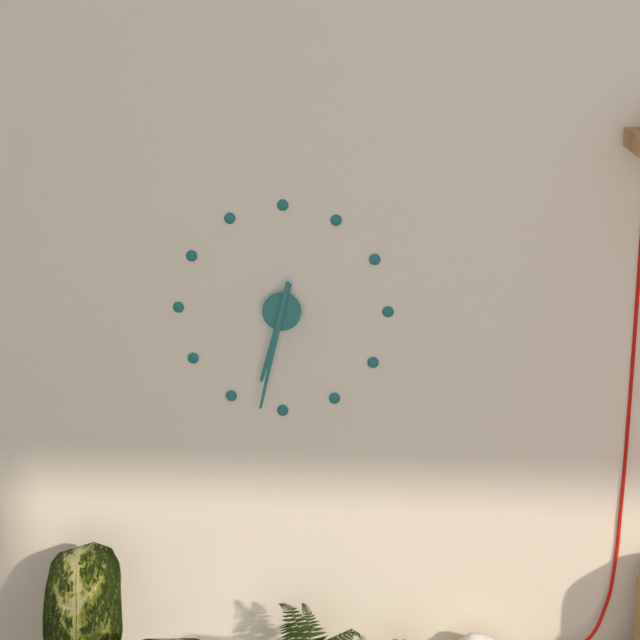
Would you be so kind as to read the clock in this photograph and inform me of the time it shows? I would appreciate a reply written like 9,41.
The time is 6,32
